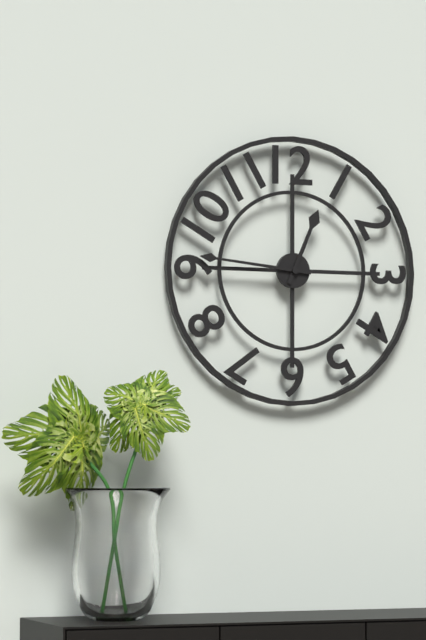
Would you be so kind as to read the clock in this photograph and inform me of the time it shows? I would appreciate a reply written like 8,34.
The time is 12,46
